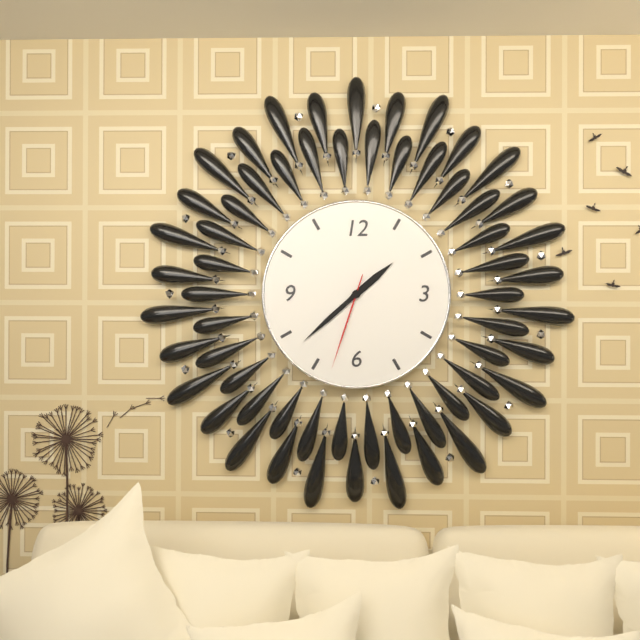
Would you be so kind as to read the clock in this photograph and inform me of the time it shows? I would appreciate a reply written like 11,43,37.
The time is 1,38,33
